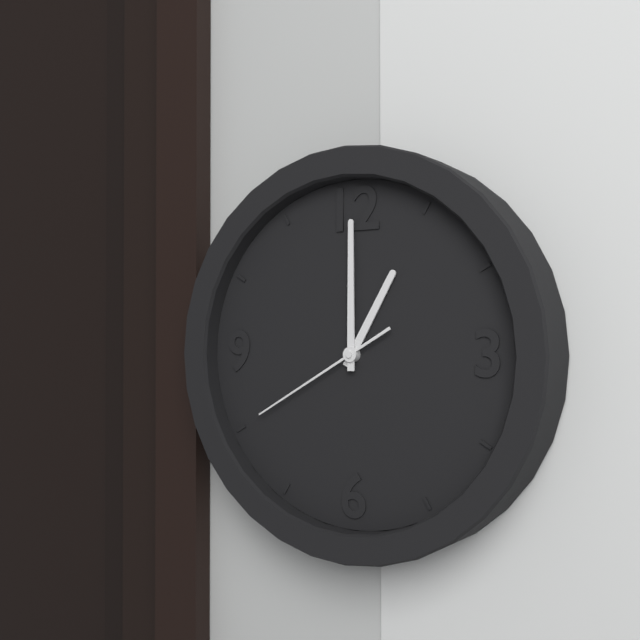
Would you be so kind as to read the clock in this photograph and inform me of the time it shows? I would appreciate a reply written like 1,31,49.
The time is 1,00,40
